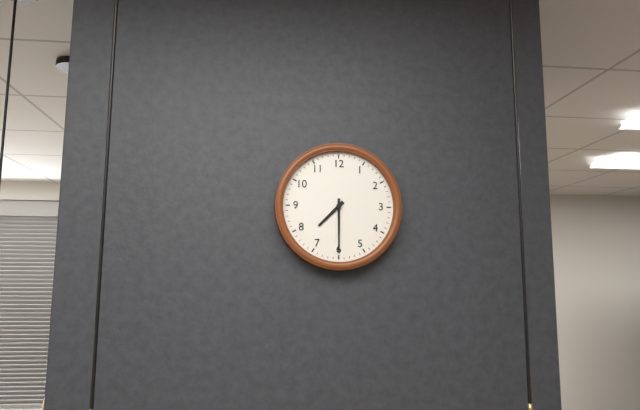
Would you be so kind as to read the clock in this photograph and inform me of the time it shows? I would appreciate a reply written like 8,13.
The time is 7,30
